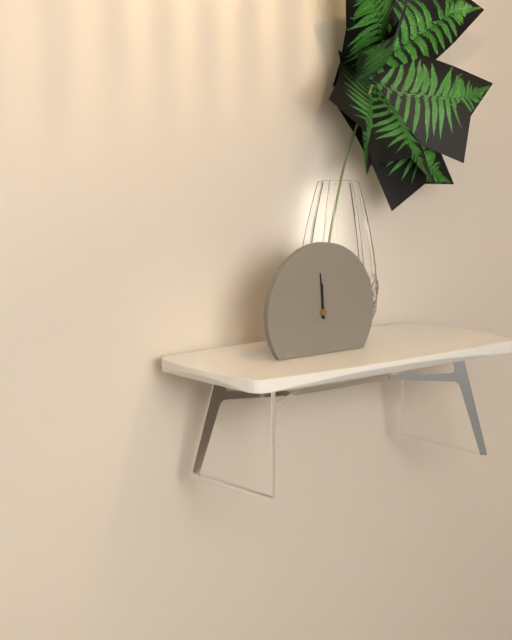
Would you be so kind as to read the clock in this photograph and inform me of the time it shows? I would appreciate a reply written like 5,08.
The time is 11,59
